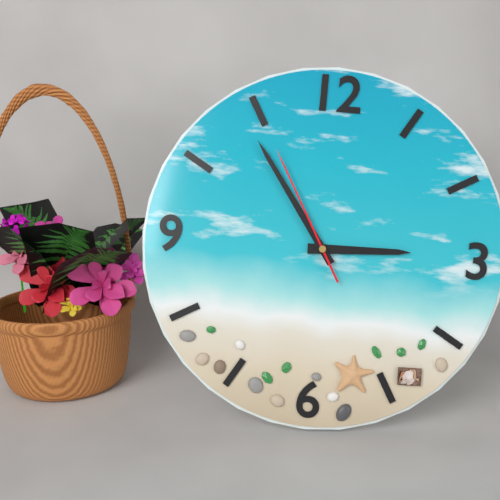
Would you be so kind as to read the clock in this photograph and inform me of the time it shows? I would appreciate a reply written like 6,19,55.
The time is 2,54,55
